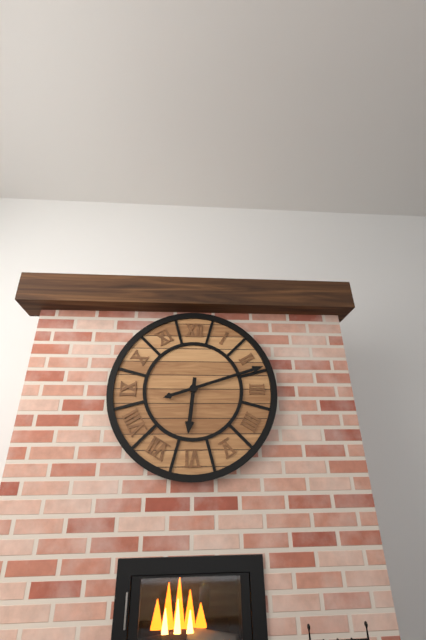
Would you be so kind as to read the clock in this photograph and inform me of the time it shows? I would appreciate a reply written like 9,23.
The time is 6,12
